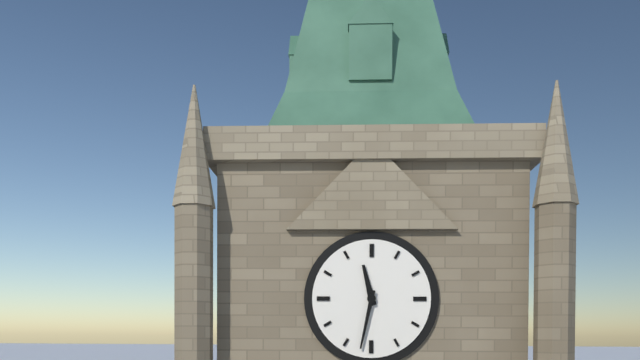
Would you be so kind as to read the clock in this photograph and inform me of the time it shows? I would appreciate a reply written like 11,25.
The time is 11,32
